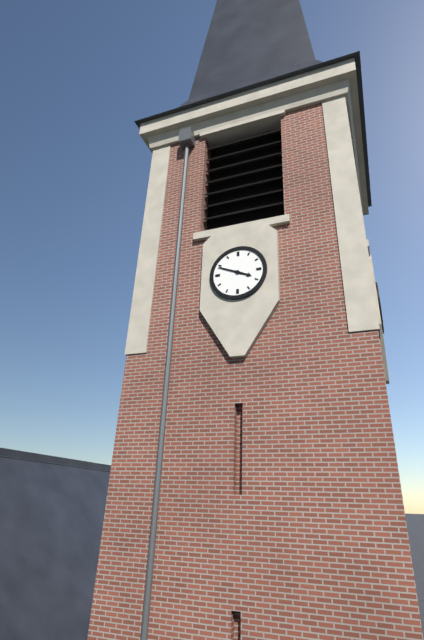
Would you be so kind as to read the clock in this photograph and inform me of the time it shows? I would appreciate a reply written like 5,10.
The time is 3,49
